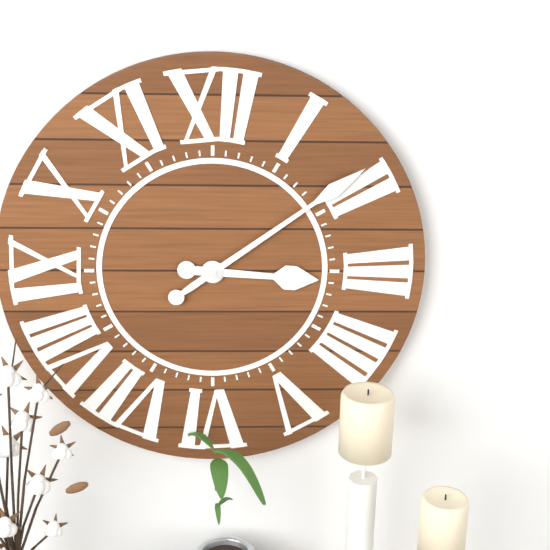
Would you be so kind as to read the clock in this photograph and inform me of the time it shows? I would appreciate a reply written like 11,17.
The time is 3,09
